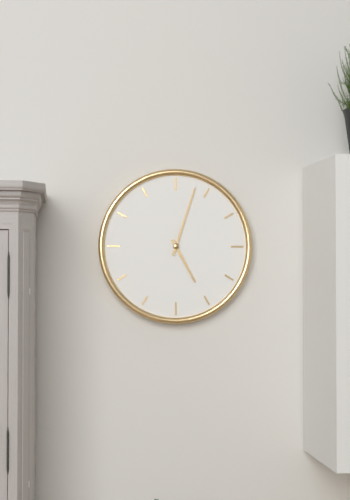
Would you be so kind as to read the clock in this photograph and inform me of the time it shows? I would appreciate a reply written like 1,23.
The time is 5,03
